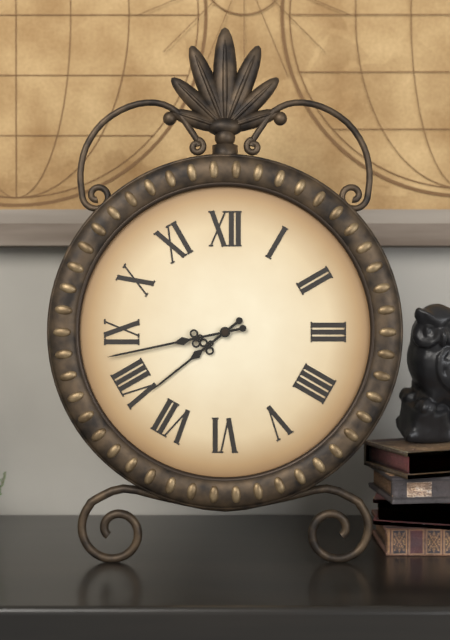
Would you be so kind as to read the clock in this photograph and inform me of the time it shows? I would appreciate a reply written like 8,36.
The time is 7,43
